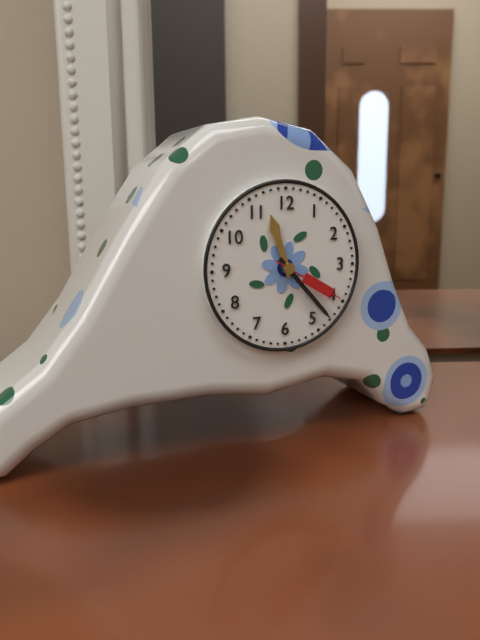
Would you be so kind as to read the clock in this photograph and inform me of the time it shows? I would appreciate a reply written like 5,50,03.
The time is 11,23,20
